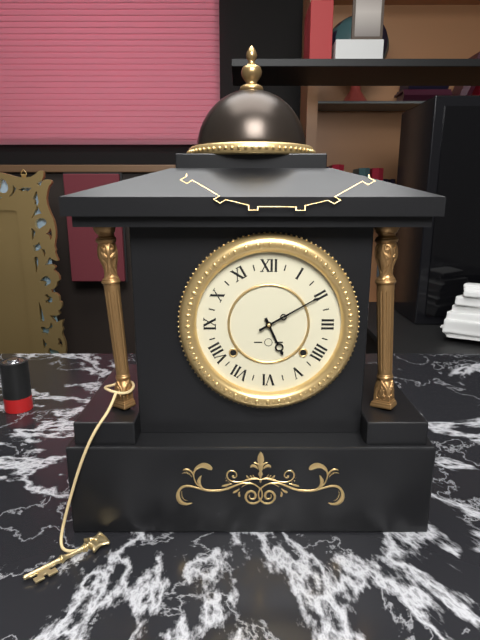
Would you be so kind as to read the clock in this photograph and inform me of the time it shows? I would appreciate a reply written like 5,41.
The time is 5,10
